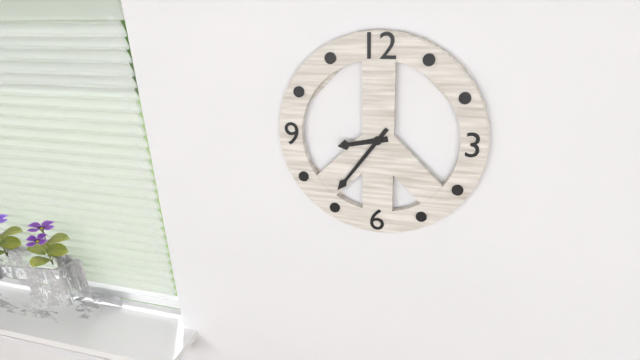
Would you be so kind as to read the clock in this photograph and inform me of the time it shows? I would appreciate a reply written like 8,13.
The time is 8,36
